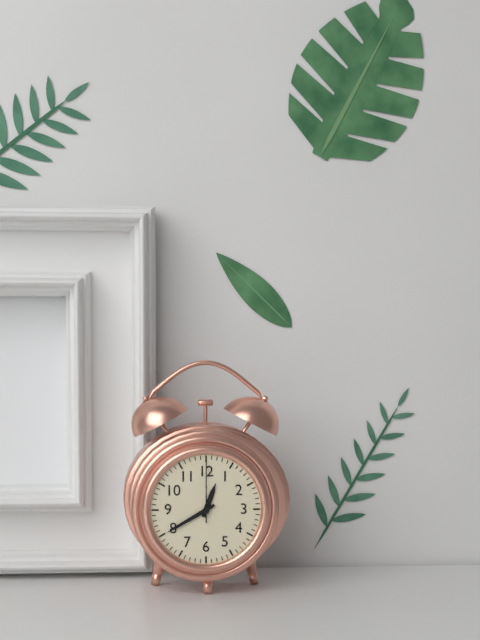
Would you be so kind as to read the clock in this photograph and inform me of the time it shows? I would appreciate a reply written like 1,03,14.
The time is 12,40,00
